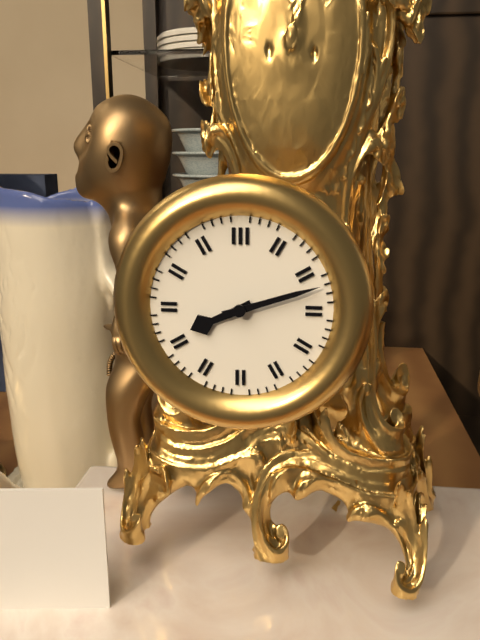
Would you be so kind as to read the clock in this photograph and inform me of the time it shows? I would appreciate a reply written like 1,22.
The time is 8,12
